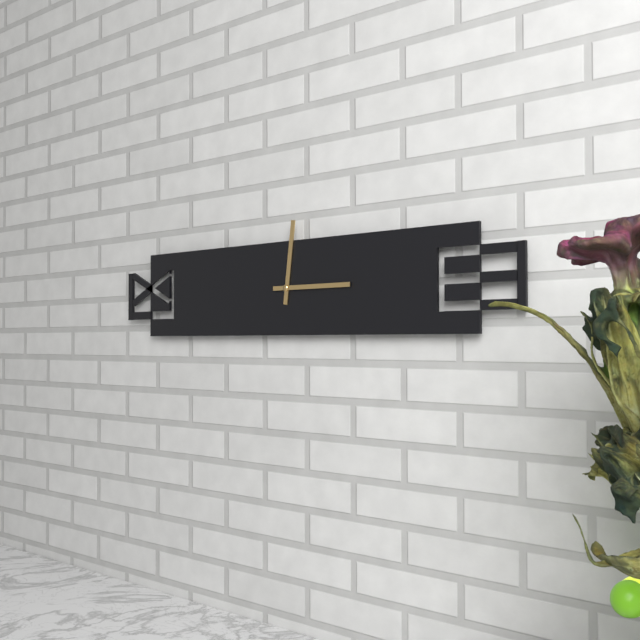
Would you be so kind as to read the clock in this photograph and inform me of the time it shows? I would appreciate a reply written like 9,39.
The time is 12,15
